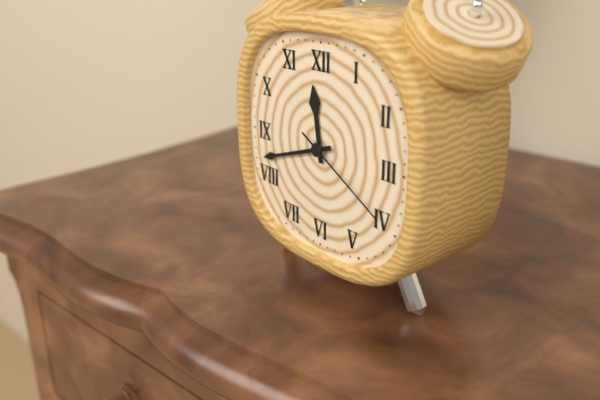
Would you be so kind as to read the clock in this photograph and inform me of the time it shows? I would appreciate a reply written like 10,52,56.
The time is 11,42,20
